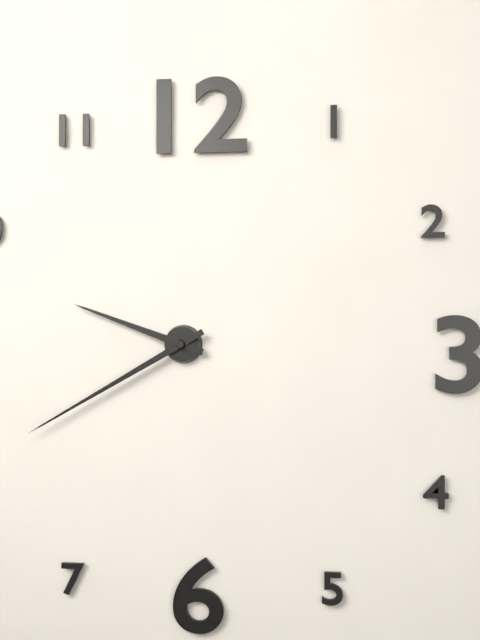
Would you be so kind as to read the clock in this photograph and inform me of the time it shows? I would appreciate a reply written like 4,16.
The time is 9,40
